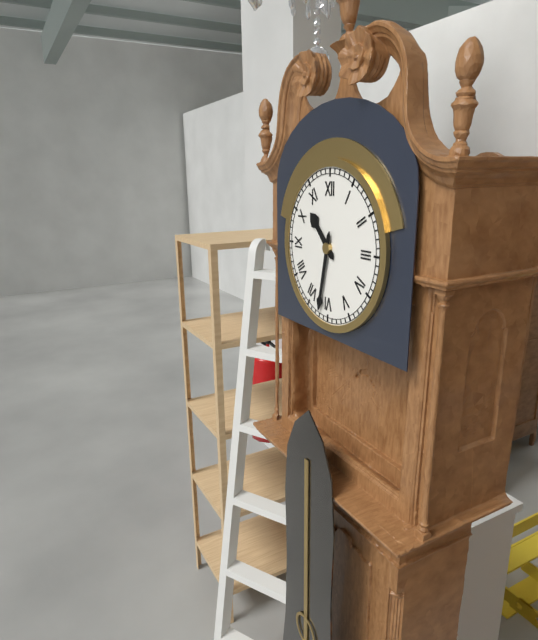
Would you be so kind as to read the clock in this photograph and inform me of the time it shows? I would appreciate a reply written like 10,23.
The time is 10,32
